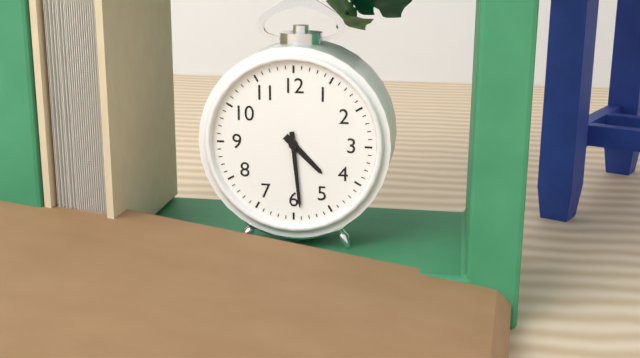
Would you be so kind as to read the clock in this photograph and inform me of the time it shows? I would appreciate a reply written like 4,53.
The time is 4,29
